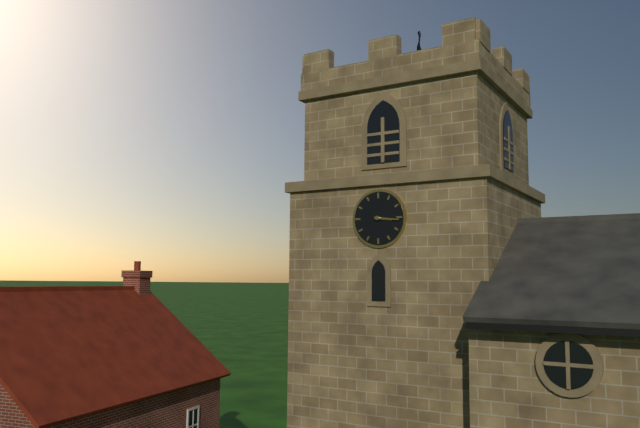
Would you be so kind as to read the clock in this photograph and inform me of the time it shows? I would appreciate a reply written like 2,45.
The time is 3,16
